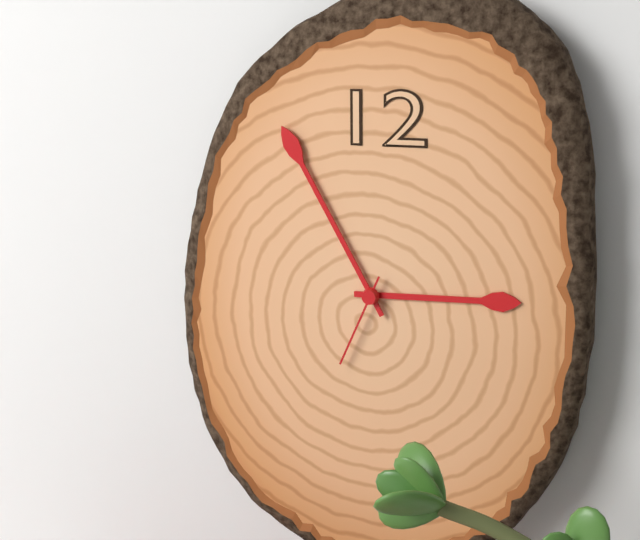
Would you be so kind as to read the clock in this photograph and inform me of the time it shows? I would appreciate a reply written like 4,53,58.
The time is 2,55,34
